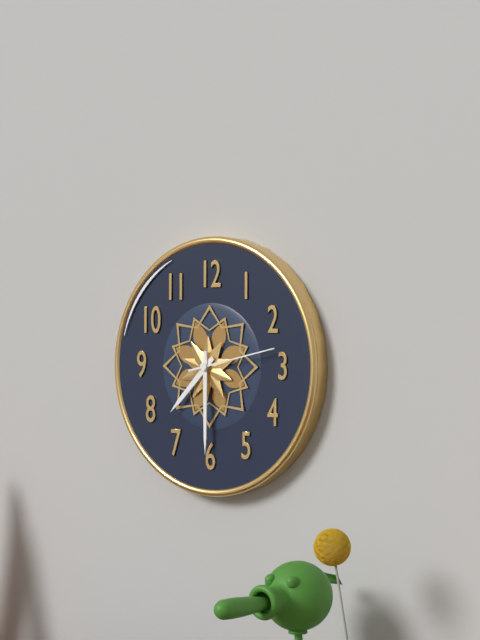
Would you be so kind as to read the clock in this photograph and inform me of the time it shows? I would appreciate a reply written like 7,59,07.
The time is 7,30,13
